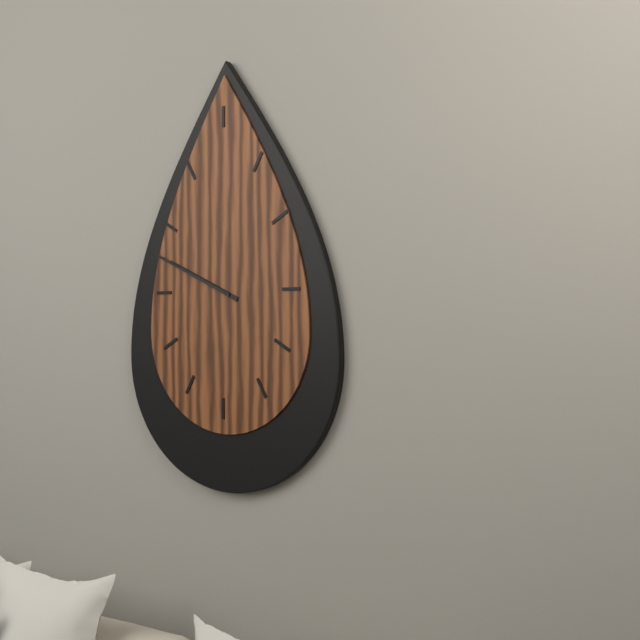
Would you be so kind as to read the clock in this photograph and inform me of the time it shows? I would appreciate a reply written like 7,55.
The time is 9,49
